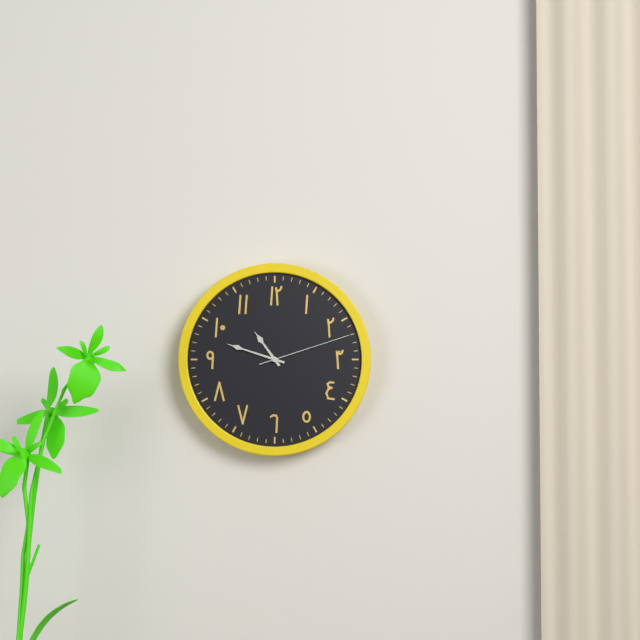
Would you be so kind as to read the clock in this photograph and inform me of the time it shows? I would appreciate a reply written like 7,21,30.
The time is 10,48,12
